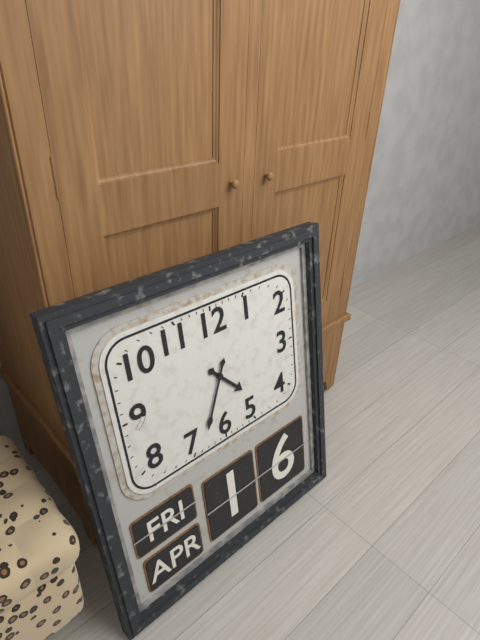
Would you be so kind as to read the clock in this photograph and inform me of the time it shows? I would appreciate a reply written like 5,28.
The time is 4,34
